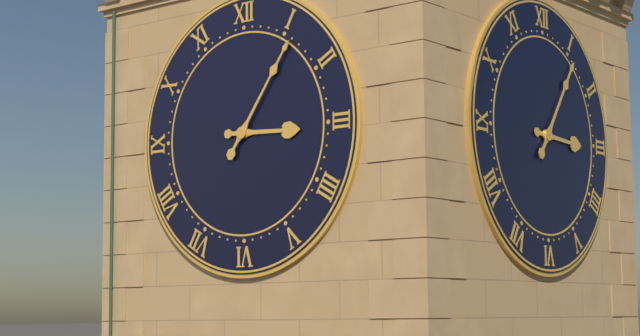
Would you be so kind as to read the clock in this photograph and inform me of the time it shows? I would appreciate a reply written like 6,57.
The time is 3,06
